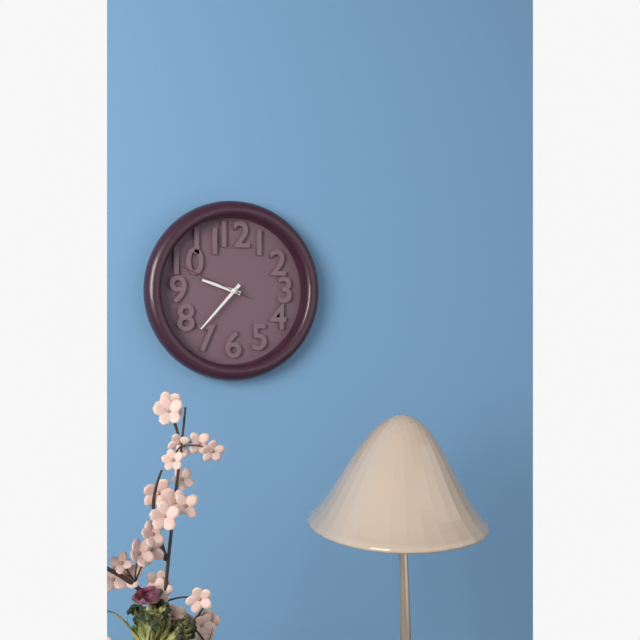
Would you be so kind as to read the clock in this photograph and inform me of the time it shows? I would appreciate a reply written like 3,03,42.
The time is 9,37,49
